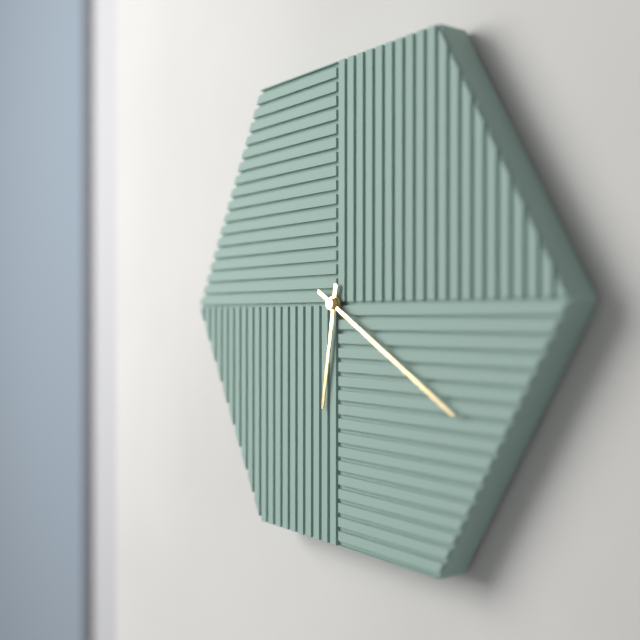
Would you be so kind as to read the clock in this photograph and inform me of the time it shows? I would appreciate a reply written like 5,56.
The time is 6,20
